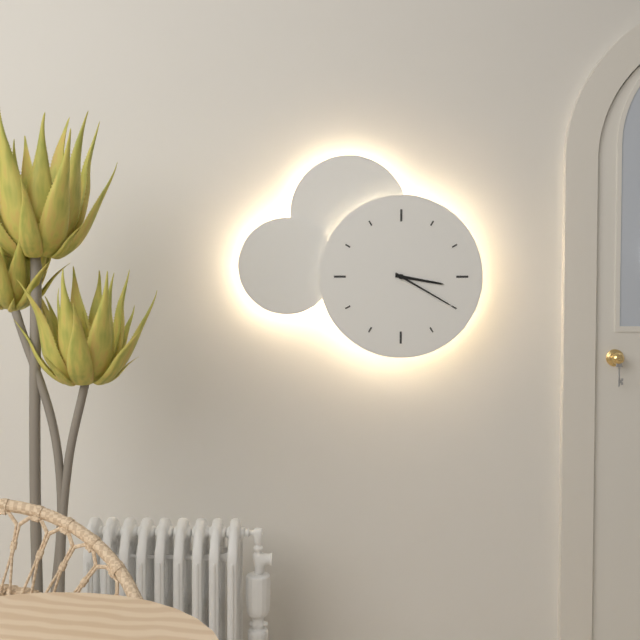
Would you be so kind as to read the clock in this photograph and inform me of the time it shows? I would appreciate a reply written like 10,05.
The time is 3,20
